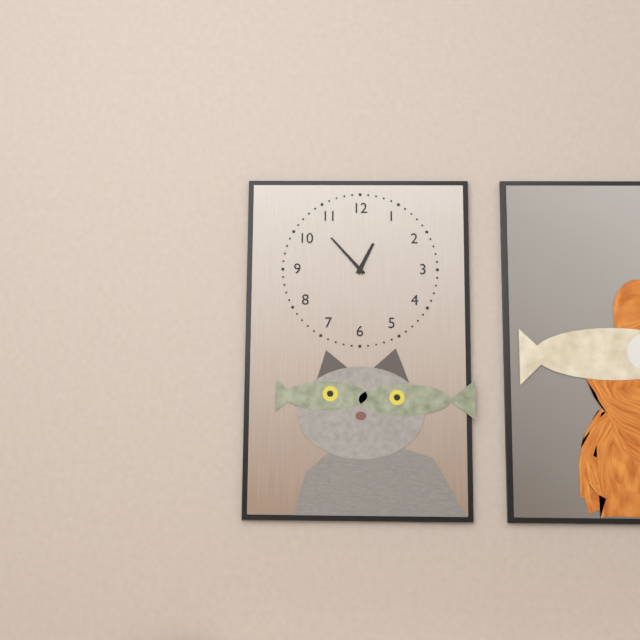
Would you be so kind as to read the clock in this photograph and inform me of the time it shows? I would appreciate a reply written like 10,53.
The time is 12,53
